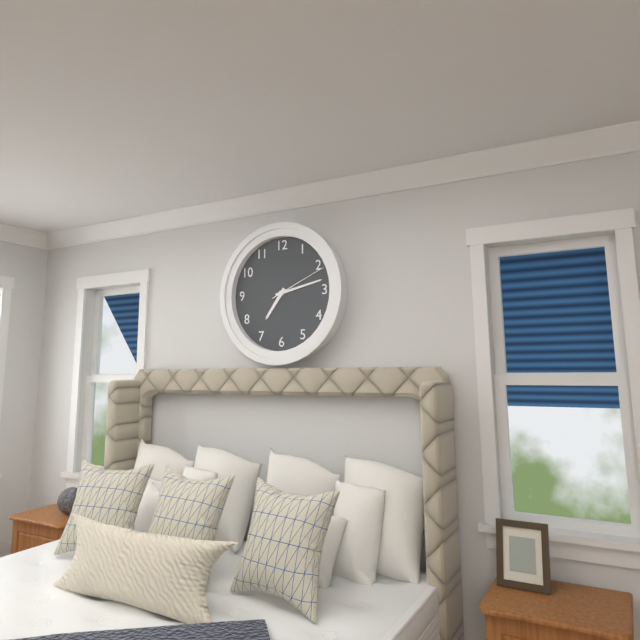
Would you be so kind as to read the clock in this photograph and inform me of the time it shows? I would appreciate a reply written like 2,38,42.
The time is 7,13,11
